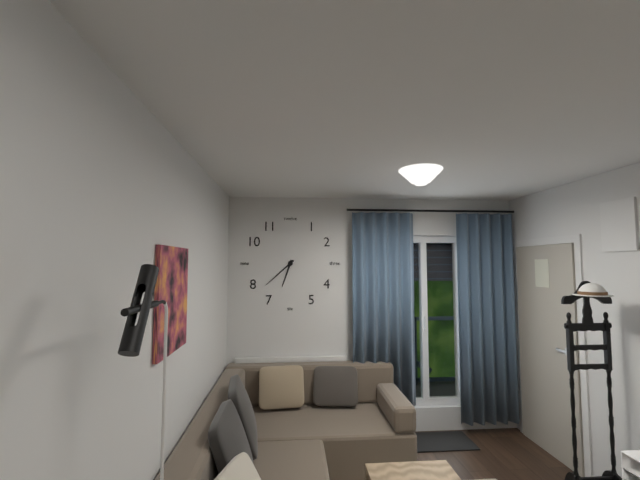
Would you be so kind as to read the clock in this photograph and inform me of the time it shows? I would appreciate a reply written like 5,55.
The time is 6,38
